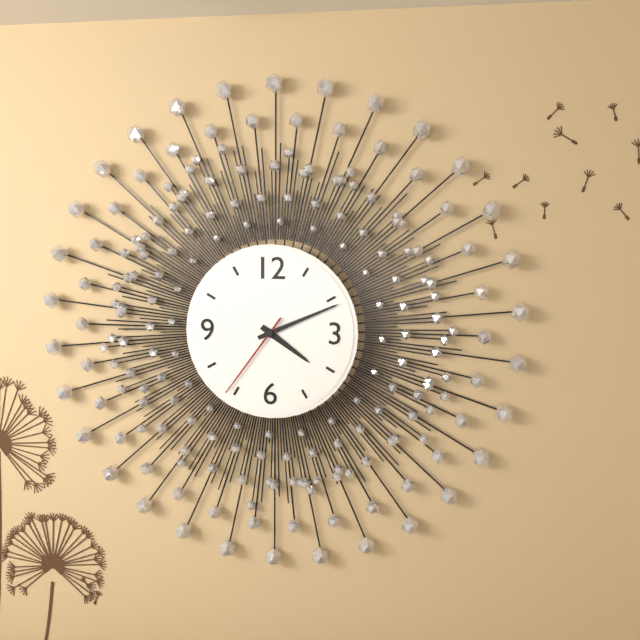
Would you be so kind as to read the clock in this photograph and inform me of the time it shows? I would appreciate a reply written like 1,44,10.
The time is 4,11,36
